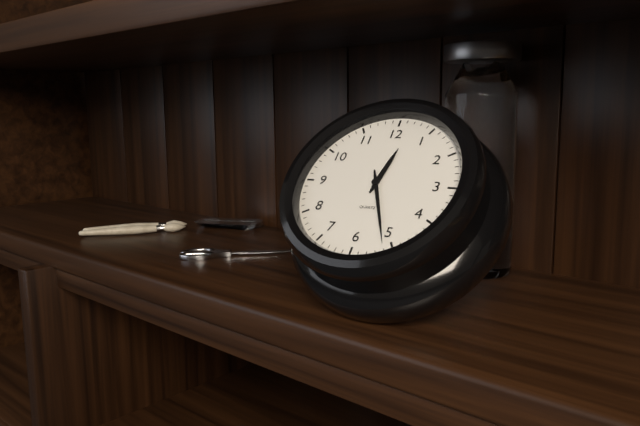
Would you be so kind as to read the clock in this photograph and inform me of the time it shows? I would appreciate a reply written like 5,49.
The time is 12,26
